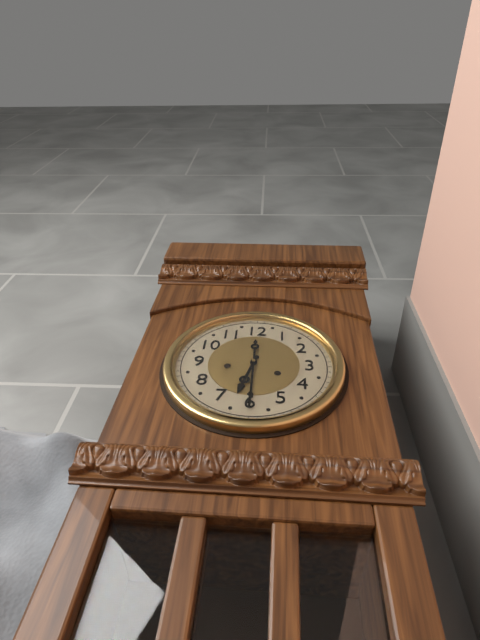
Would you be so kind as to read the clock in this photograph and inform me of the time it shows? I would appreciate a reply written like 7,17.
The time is 6,30
